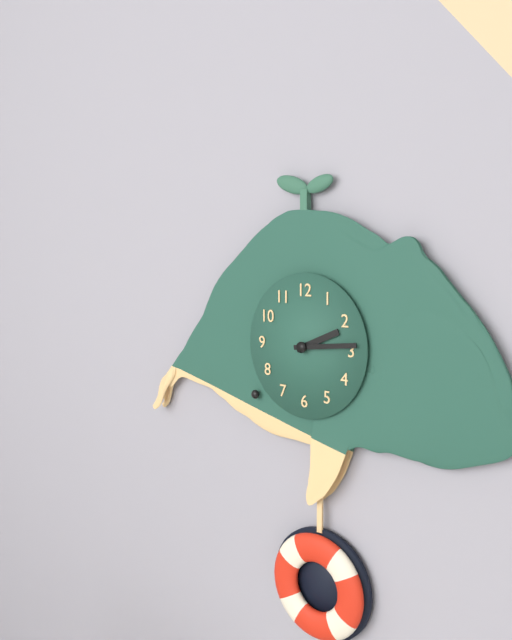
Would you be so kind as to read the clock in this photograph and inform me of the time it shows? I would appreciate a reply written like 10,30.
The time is 2,14
